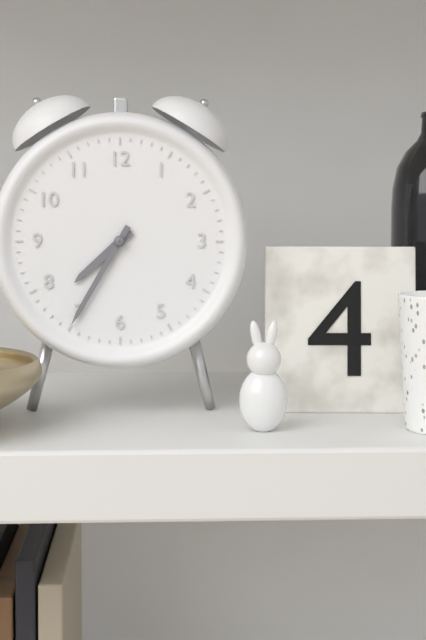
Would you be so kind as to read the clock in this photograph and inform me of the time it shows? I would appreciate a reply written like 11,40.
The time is 7,35
